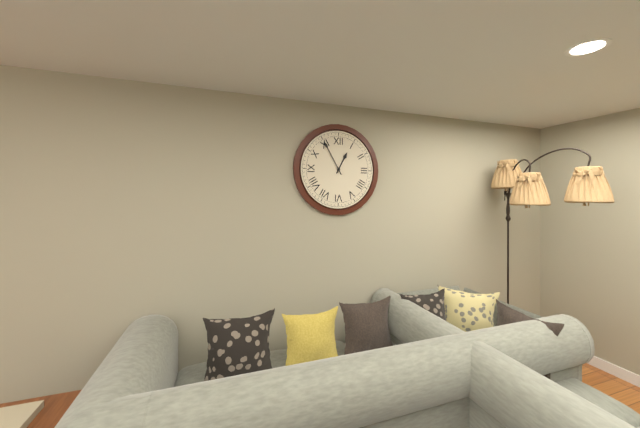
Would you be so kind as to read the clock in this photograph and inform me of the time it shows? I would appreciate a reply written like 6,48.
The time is 12,55
